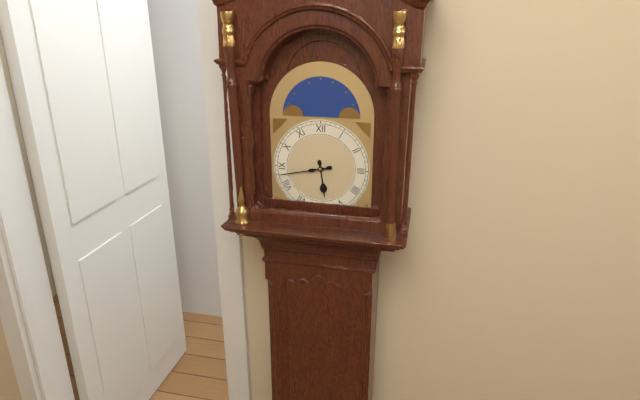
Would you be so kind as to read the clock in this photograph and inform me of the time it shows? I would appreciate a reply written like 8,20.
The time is 5,43
